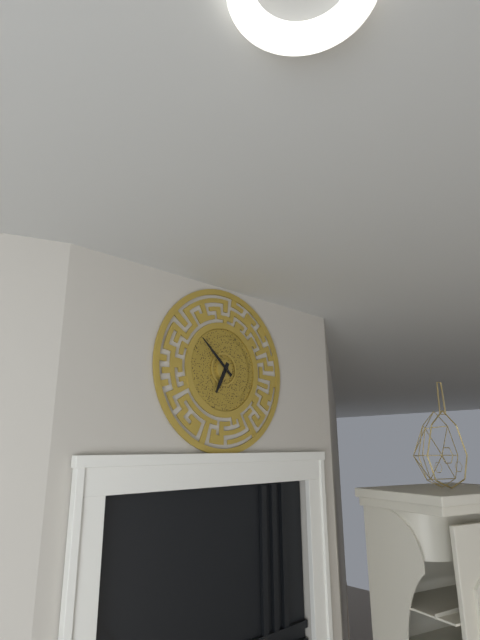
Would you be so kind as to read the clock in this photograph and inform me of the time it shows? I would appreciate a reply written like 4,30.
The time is 6,52
